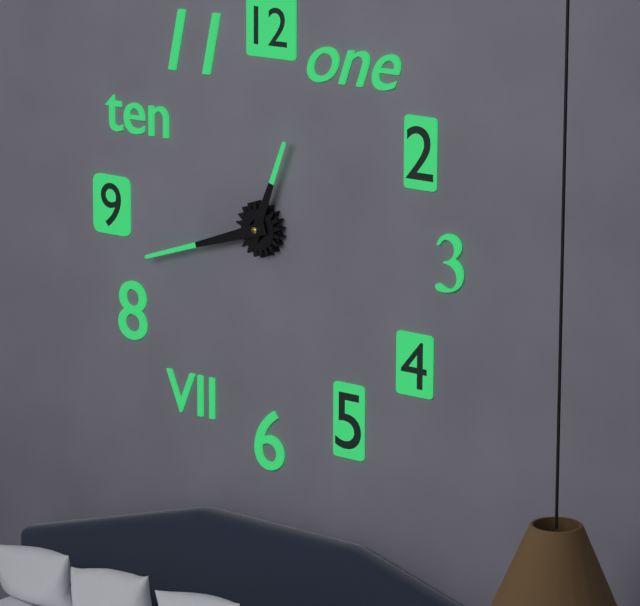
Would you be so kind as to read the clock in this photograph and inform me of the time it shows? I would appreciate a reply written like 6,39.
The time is 12,42
